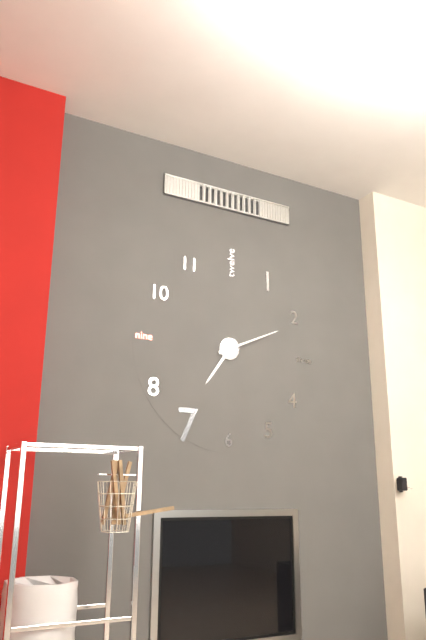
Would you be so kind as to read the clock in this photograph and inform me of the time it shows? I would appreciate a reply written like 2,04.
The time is 7,11
